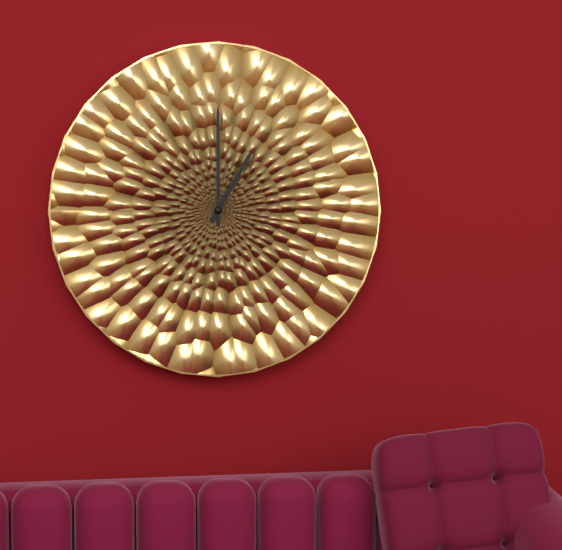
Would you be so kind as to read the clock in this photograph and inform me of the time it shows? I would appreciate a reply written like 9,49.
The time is 1,00
